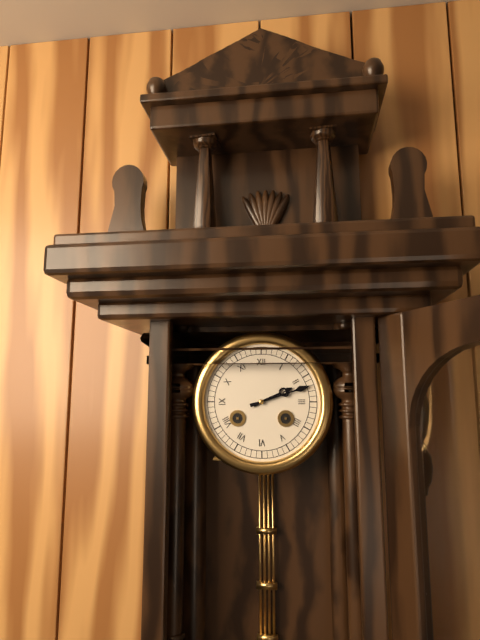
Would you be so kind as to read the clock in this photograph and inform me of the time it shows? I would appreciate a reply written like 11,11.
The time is 2,12
